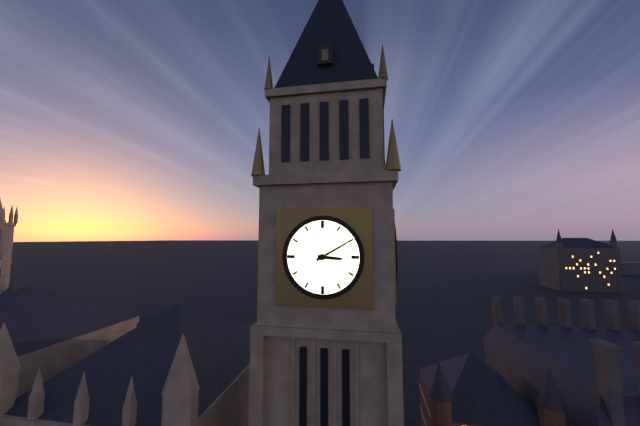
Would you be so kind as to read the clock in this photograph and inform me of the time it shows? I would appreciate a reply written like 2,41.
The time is 3,10
